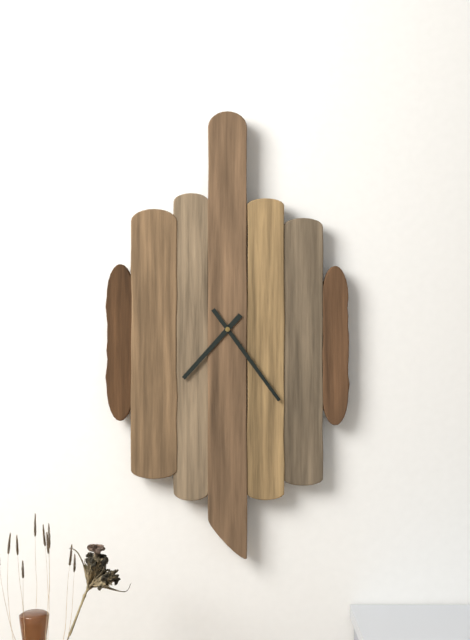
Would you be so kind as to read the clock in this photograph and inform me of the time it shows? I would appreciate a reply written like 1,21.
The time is 7,24
